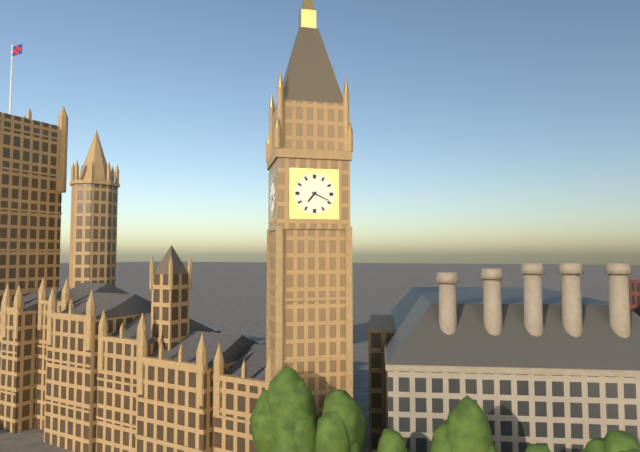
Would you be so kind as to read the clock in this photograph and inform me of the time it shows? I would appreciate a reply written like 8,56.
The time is 7,19
